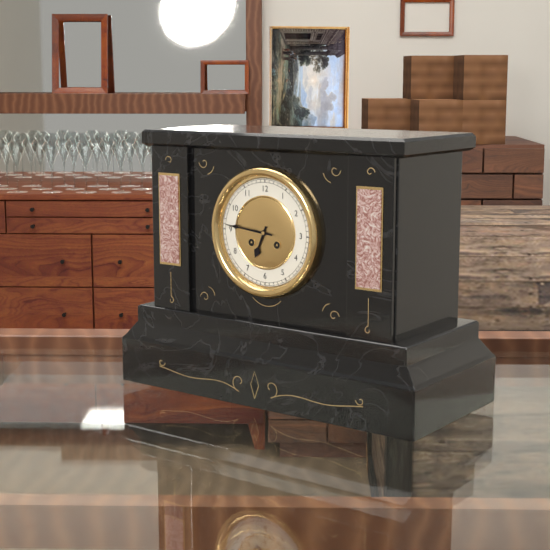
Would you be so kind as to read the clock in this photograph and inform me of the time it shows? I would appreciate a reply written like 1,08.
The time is 6,46
